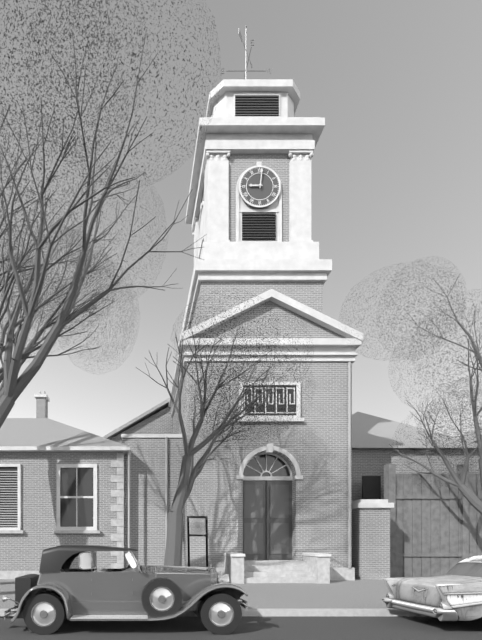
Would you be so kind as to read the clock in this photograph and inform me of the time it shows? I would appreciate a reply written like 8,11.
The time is 9,01
